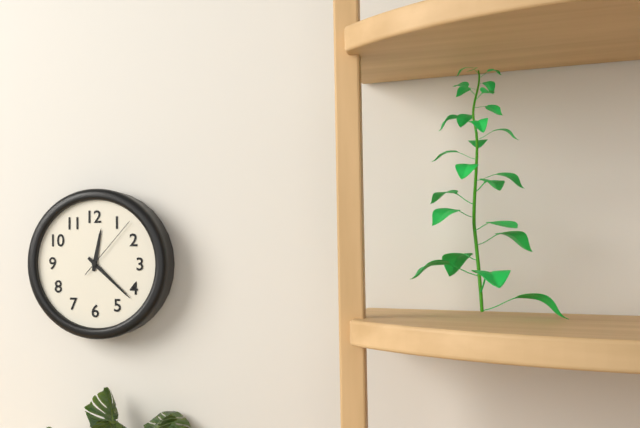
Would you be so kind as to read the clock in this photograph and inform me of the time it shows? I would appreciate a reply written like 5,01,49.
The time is 12,22,07
